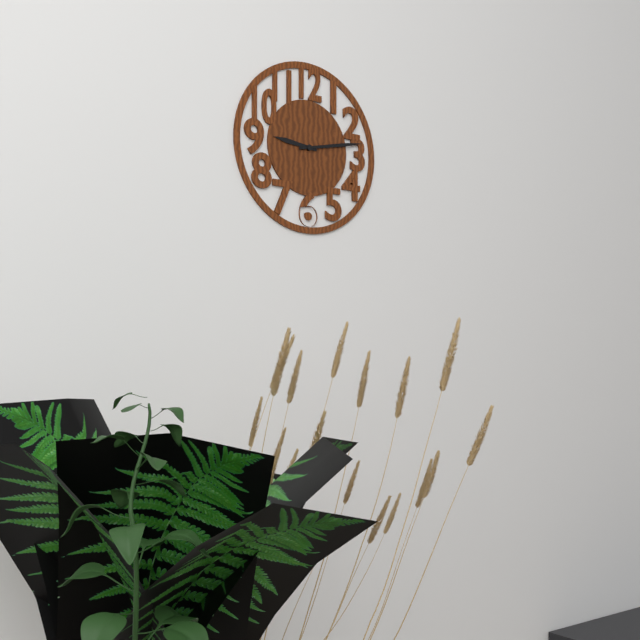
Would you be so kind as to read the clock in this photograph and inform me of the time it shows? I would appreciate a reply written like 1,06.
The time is 9,13
